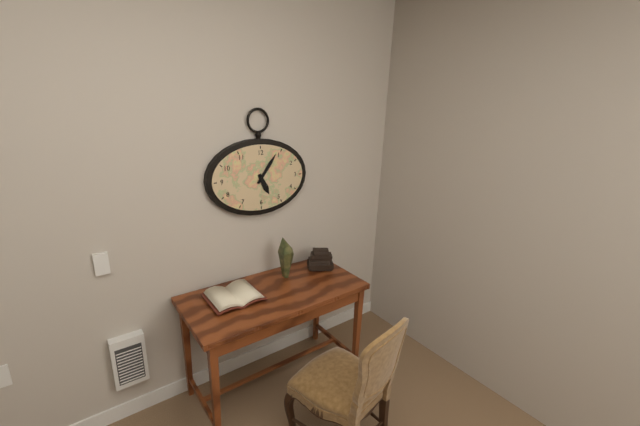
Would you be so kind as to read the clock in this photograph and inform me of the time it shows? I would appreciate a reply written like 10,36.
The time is 5,06
